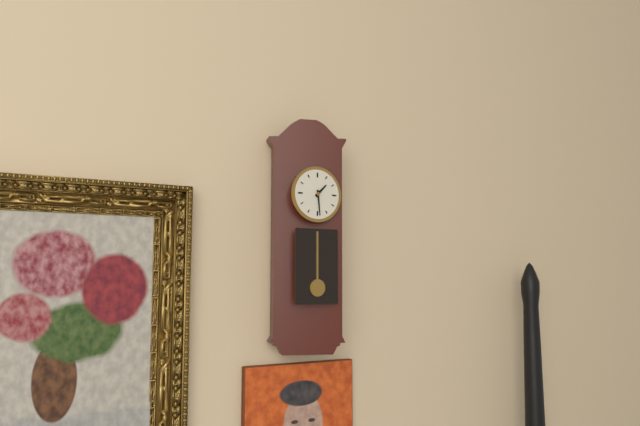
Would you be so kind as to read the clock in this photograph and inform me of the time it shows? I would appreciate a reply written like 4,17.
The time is 1,29
